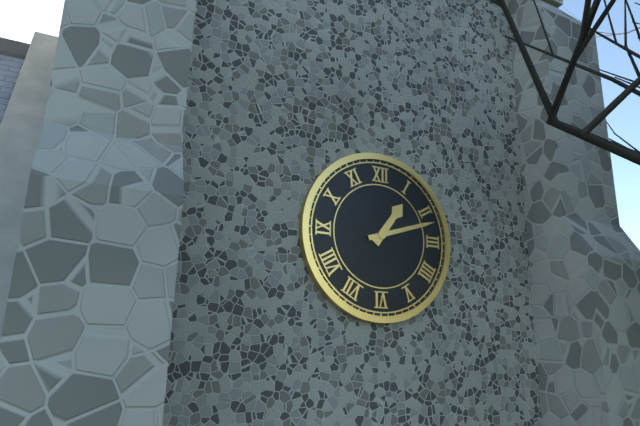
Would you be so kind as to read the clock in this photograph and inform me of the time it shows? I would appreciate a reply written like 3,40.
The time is 1,12
